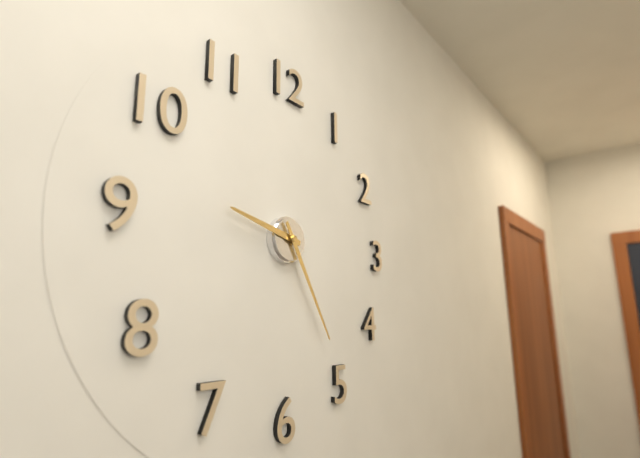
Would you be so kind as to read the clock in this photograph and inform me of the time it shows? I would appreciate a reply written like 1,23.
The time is 9,25
